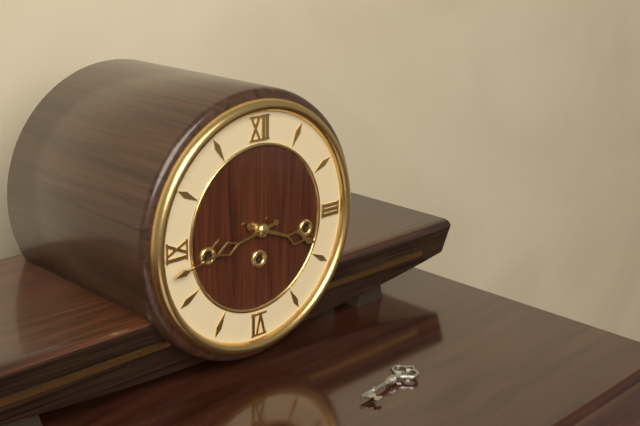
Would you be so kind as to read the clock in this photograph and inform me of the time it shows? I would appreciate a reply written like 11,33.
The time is 3,43
